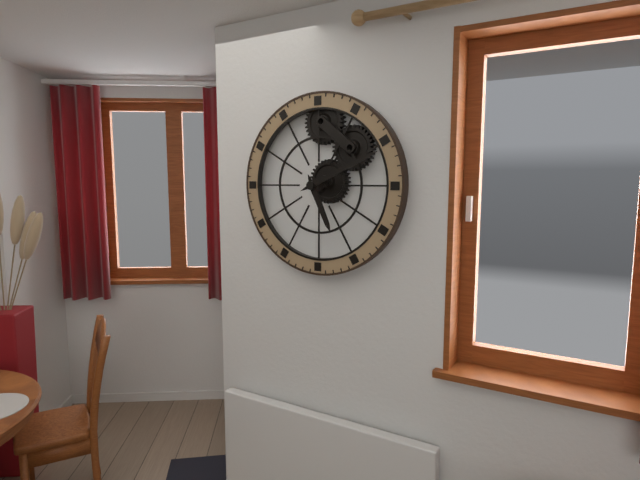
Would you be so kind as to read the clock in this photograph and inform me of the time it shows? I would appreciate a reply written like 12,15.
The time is 5,11
